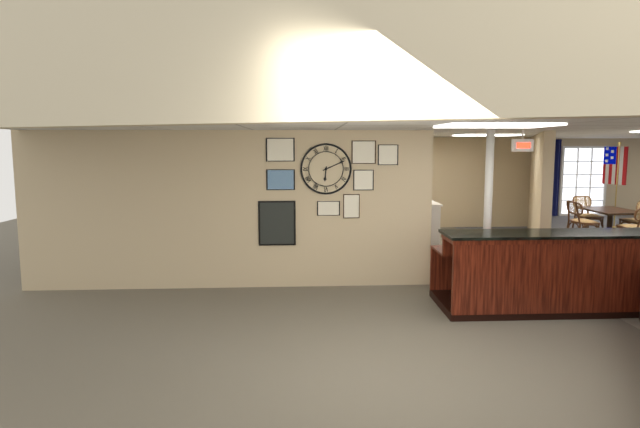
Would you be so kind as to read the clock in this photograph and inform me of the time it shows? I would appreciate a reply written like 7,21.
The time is 6,11
